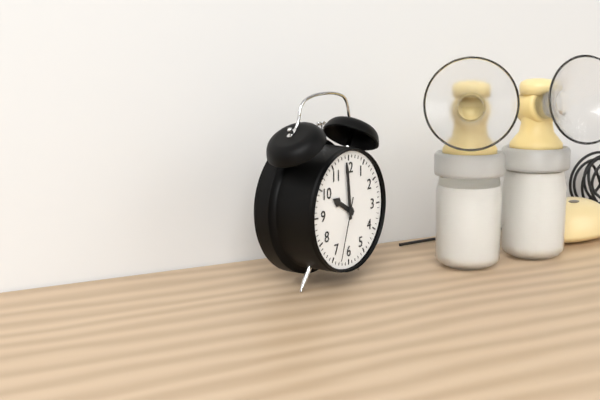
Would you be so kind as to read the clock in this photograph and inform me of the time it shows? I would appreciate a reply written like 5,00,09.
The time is 9,59,33
